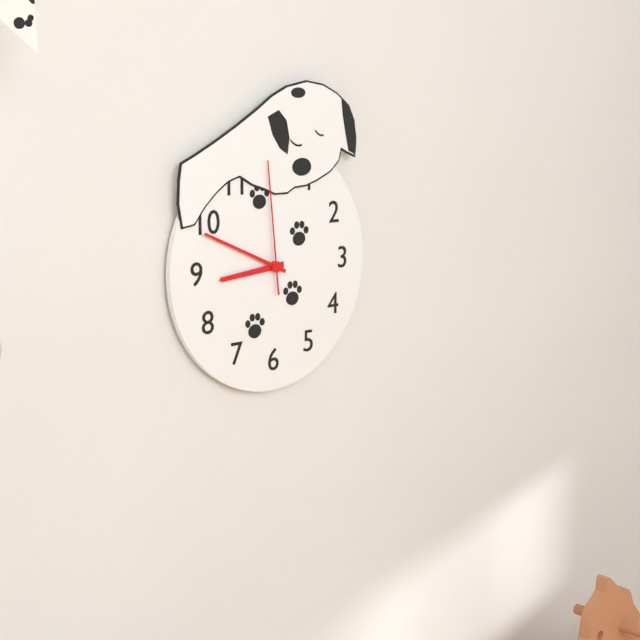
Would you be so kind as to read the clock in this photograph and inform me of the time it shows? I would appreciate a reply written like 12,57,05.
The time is 8,49,59
